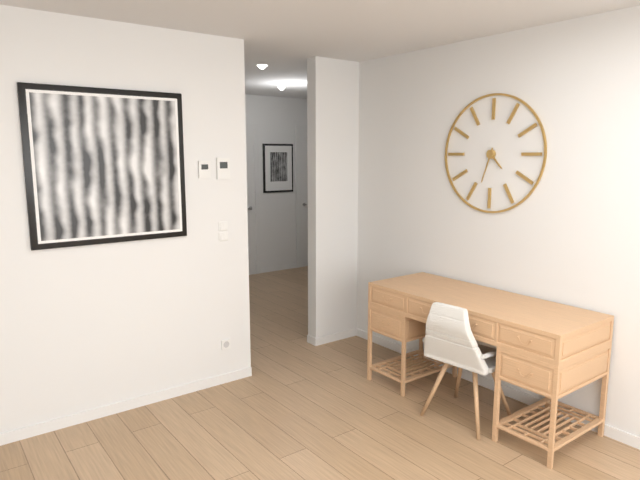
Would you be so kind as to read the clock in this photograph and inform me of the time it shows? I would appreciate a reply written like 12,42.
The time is 4,33
